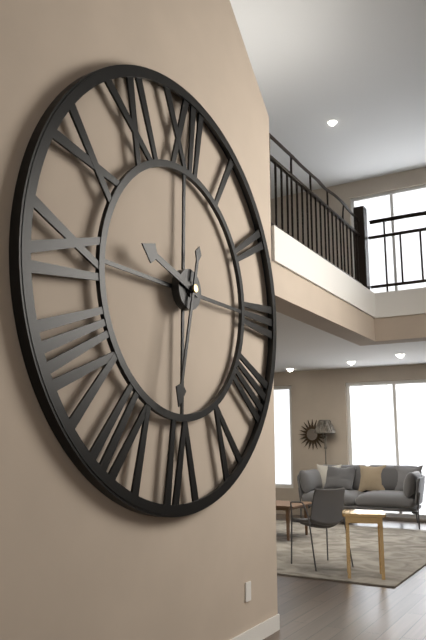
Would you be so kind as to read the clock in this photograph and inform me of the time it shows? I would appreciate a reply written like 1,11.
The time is 9,32
